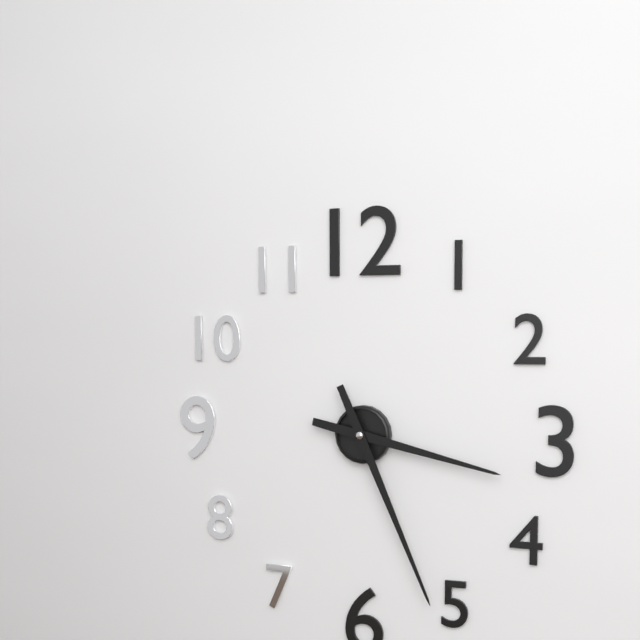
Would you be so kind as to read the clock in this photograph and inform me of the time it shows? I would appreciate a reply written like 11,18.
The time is 3,26
